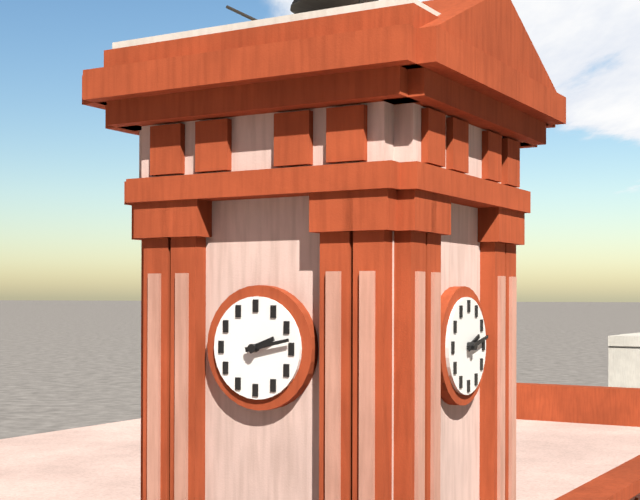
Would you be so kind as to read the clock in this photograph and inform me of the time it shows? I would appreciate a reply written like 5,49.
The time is 2,13
